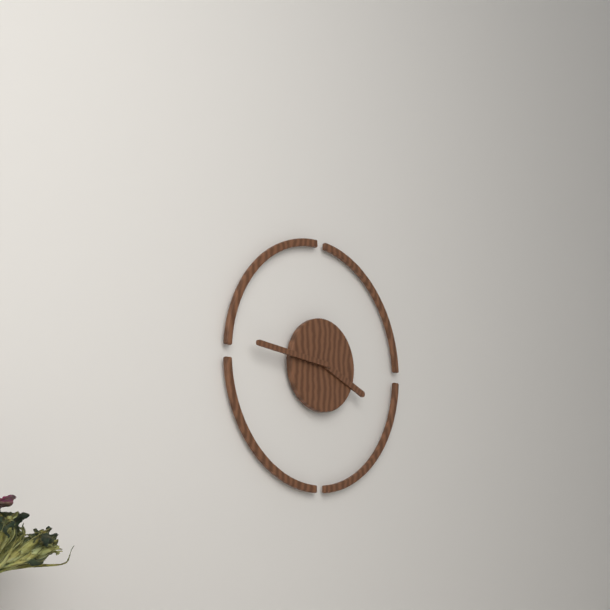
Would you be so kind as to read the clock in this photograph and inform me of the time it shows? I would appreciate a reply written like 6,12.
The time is 3,46
